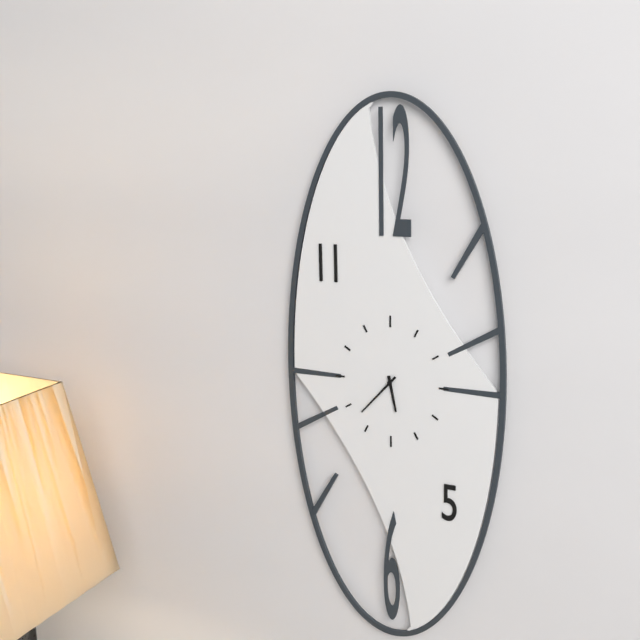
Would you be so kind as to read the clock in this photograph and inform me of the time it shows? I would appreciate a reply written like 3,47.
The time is 5,37
